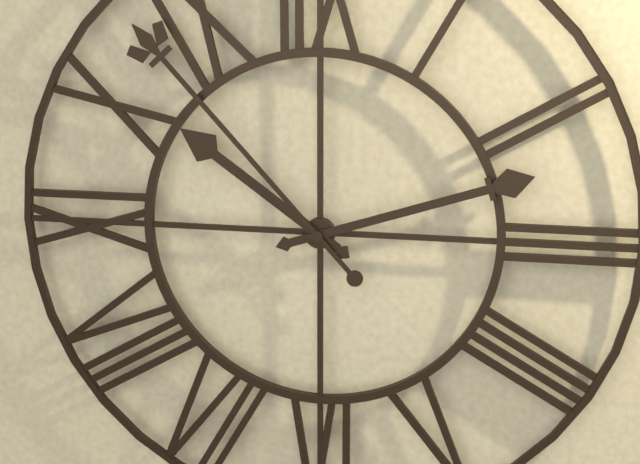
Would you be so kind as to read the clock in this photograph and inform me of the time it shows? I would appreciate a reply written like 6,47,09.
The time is 10,12,53
